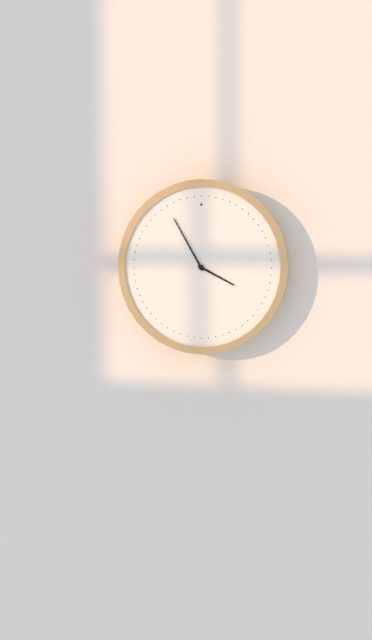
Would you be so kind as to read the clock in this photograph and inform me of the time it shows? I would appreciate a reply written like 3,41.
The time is 3,55
